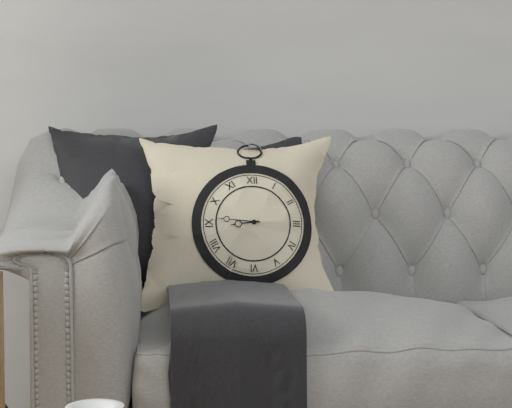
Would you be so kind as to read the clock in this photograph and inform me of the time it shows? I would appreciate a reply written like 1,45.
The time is 8,46
